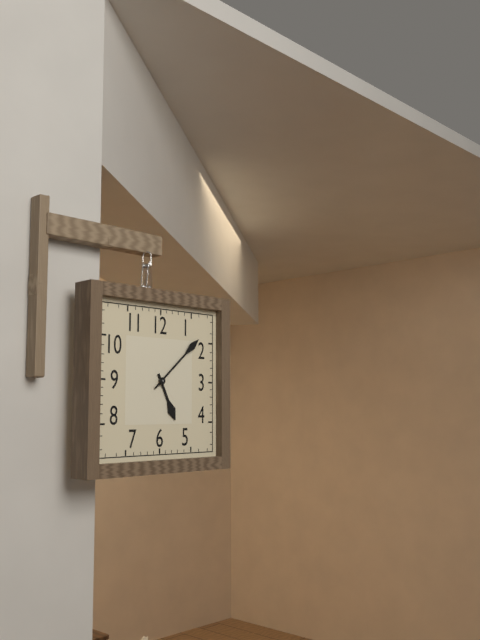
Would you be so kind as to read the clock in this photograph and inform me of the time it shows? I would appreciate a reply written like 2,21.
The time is 5,08
